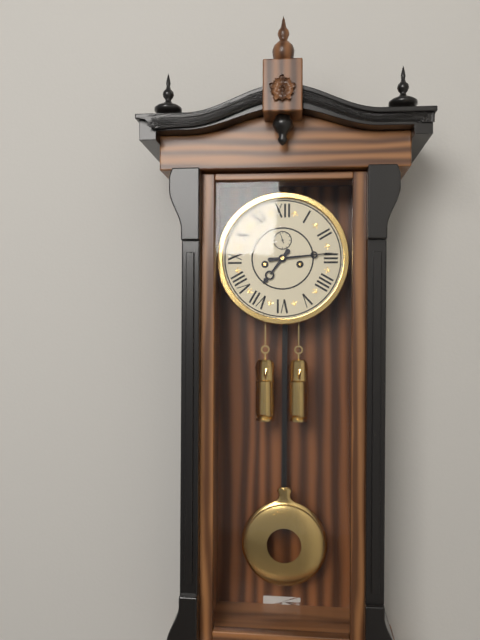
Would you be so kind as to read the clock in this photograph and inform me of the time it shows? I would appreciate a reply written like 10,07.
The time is 7,14
